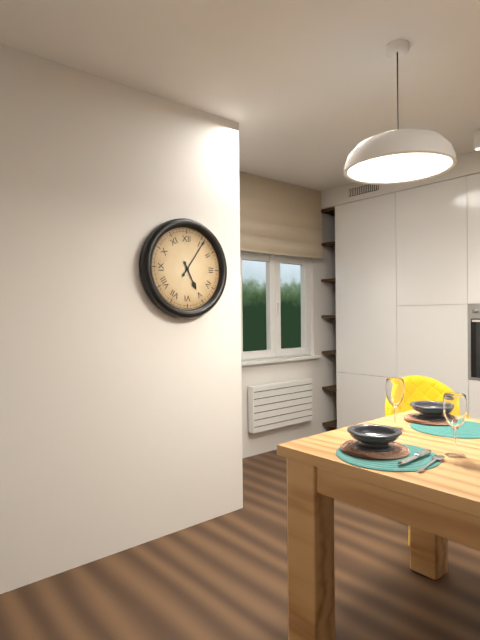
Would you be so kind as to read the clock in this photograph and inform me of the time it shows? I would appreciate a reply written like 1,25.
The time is 5,06
